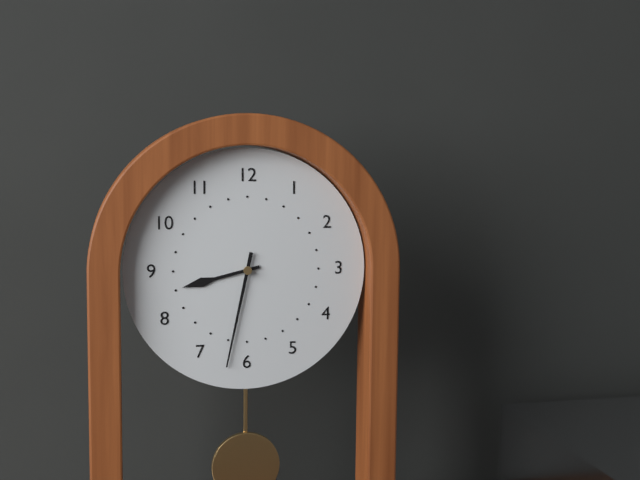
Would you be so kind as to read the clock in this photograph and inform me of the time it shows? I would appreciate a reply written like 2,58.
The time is 8,32
